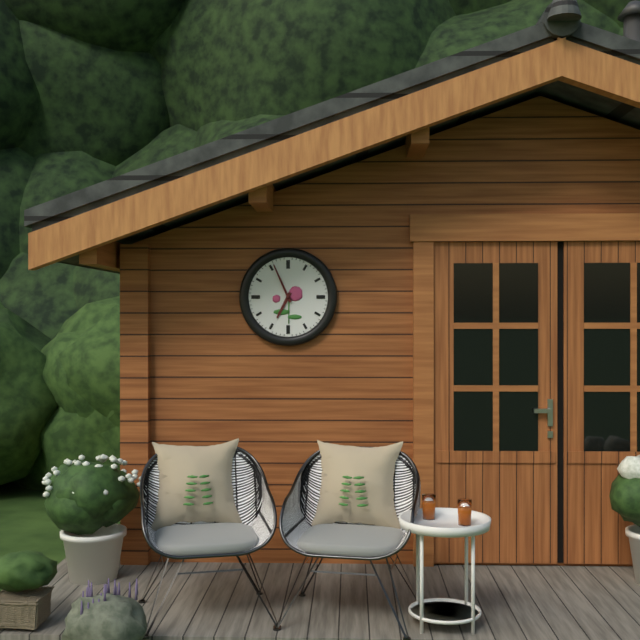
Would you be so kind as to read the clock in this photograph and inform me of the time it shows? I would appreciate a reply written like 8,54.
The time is 6,56
